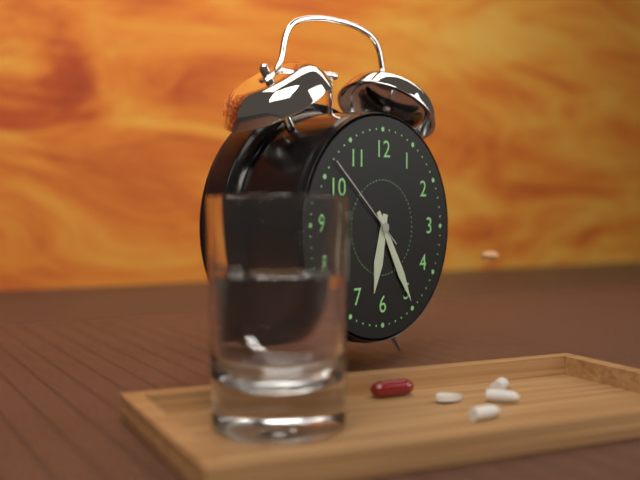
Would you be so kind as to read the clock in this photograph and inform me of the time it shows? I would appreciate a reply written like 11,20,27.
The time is 6,25,52
